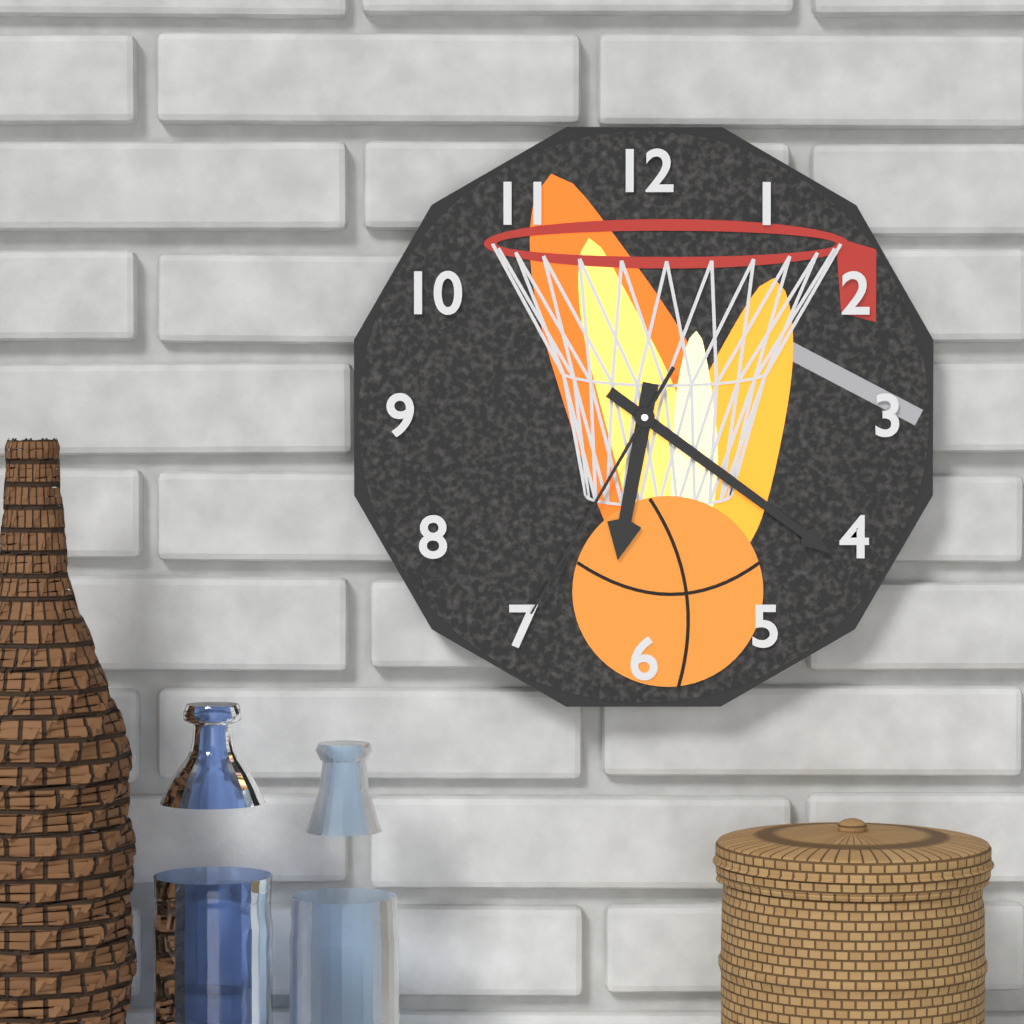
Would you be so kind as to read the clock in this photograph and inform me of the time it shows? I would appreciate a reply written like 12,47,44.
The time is 6,21,35
